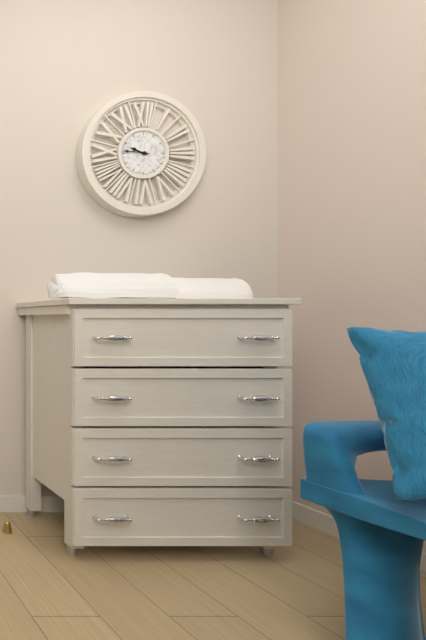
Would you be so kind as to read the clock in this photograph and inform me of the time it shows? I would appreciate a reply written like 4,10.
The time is 9,46
